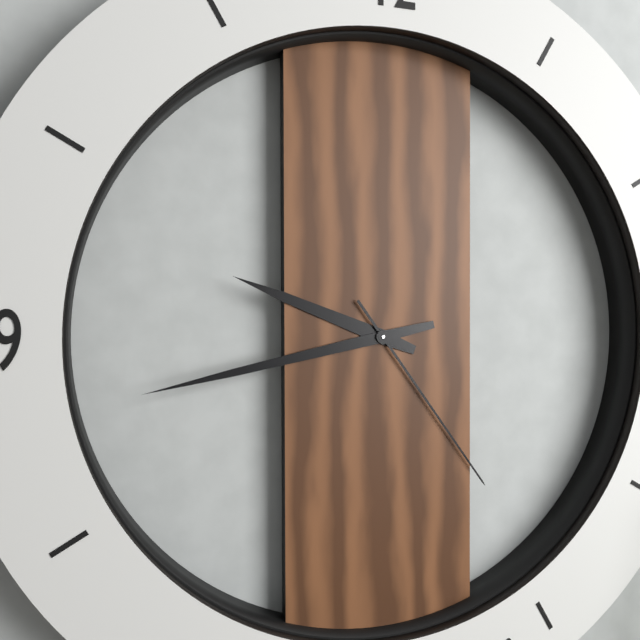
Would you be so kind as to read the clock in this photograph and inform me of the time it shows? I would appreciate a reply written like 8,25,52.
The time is 9,43,24
